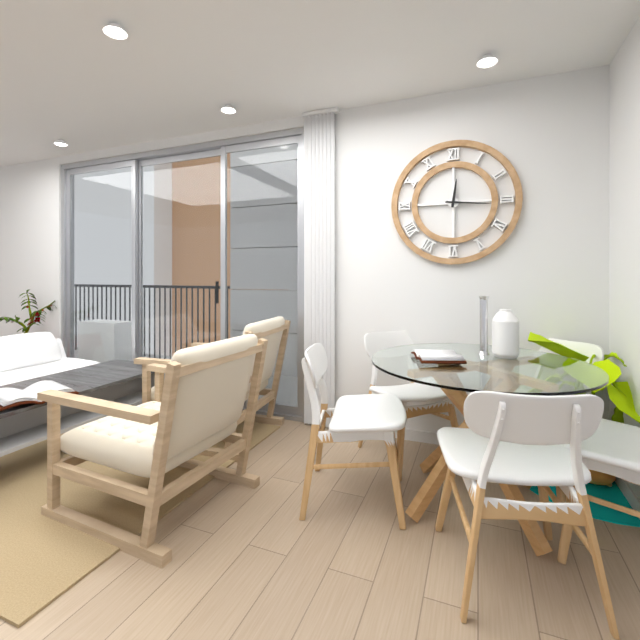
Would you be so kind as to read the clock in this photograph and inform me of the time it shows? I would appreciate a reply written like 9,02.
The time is 12,16
